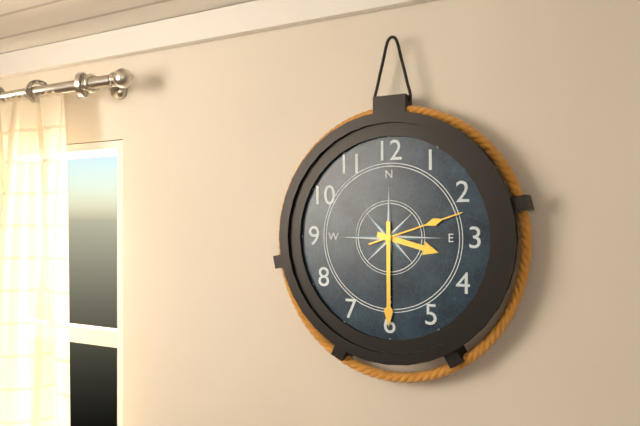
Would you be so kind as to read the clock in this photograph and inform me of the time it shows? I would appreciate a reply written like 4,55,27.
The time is 3,30,12
